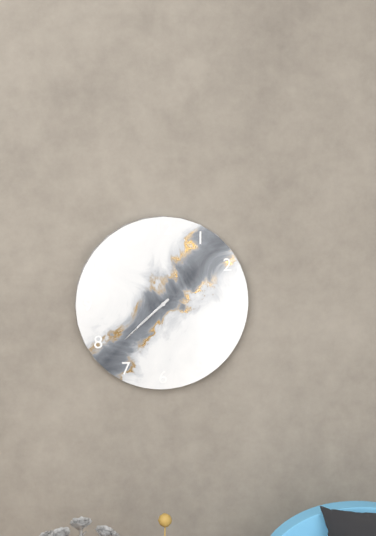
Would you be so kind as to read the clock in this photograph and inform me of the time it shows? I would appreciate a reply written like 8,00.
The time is 7,38
